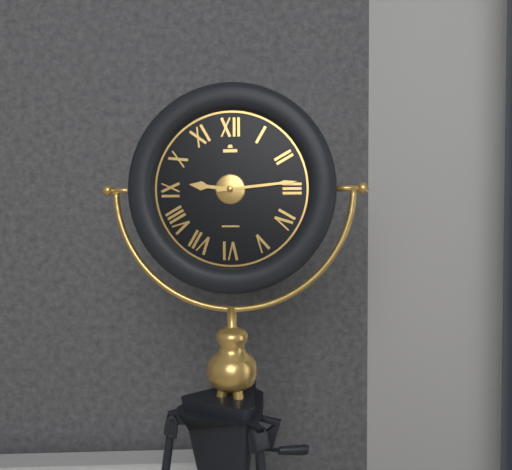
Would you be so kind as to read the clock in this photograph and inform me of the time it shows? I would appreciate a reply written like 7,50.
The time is 9,14
